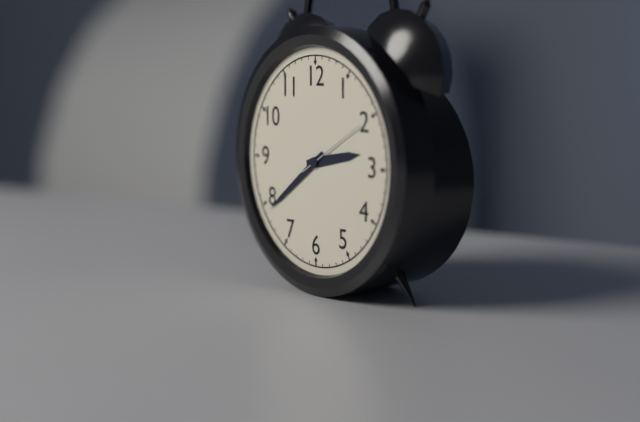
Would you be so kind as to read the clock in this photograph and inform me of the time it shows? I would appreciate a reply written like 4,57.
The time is 2,39
